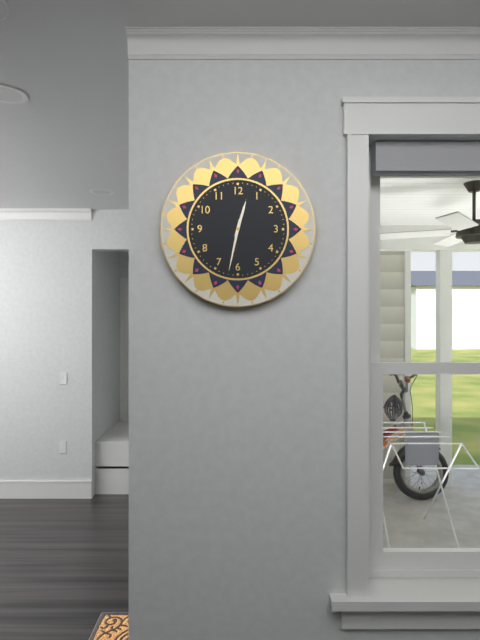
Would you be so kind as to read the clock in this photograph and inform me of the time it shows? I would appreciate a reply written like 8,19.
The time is 12,32
